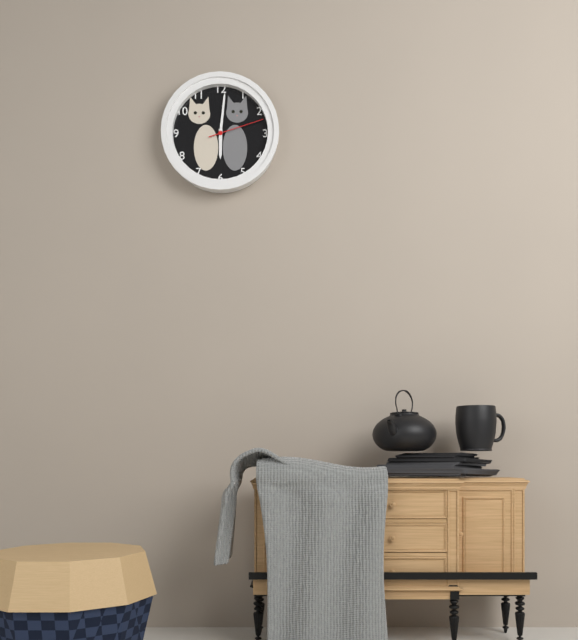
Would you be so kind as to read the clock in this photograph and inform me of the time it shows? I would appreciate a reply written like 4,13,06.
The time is 6,01,12
